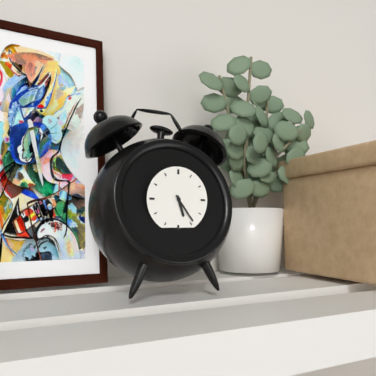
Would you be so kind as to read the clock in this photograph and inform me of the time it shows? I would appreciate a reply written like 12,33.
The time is 5,24
